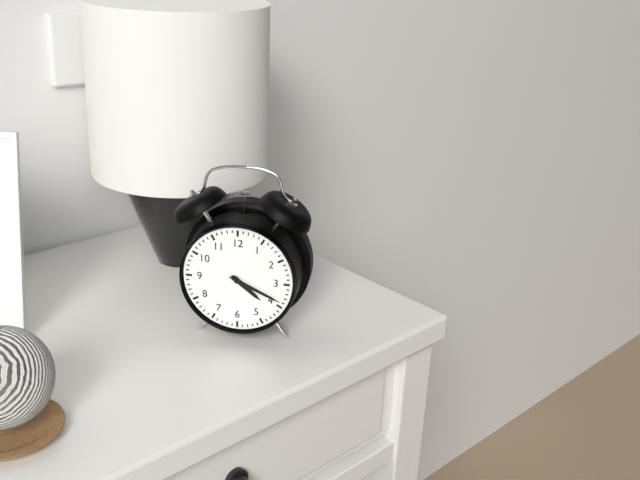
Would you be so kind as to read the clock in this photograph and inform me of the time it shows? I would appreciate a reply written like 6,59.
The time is 4,19
